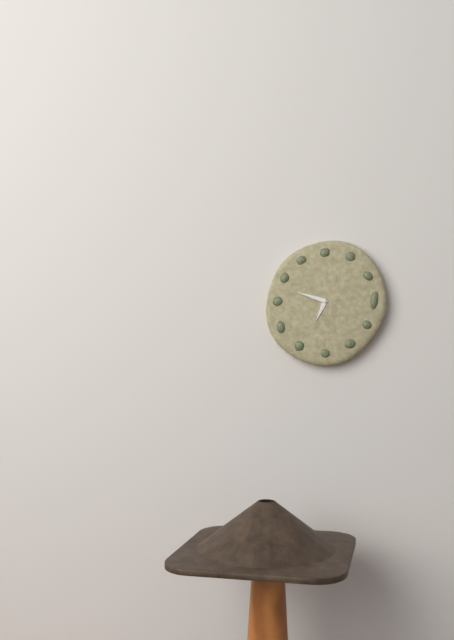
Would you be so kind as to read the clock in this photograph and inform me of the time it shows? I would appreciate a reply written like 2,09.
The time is 6,48
